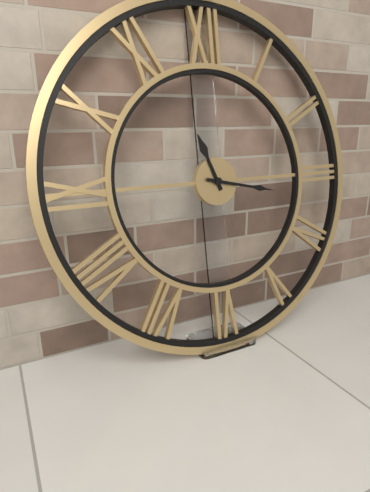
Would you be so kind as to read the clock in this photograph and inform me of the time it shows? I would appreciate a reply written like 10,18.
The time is 11,17
